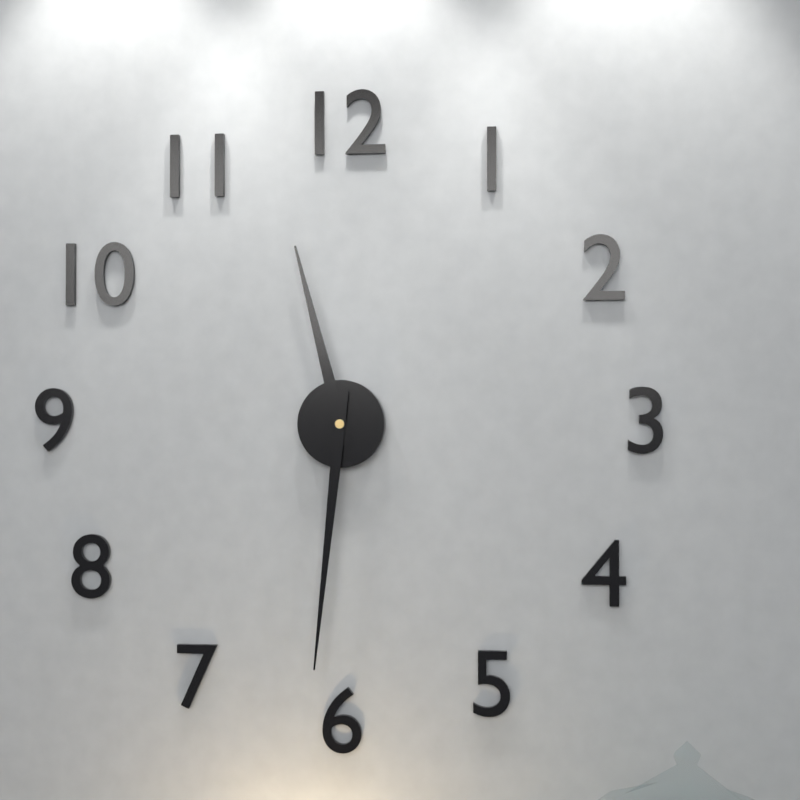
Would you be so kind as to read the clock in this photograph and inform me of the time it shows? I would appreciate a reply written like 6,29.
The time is 11,31
